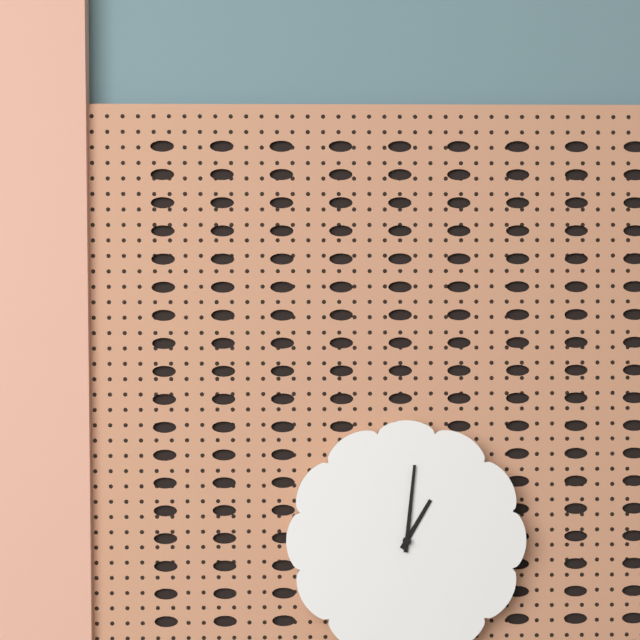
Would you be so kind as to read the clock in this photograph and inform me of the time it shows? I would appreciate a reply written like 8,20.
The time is 1,01
